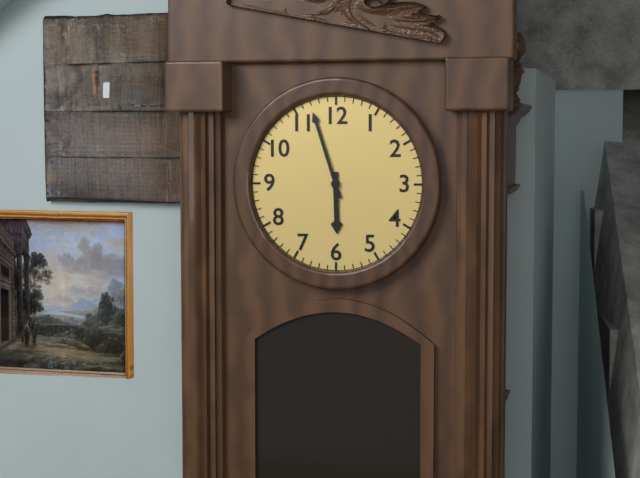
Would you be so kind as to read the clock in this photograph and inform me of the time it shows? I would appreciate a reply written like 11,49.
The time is 5,57
